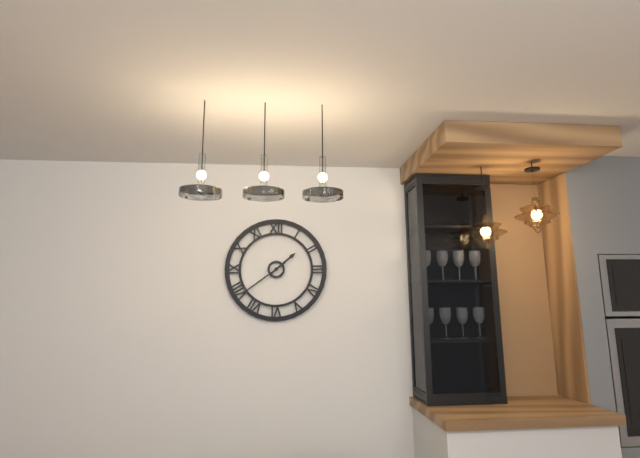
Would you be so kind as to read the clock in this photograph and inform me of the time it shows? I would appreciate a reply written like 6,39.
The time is 1,39
